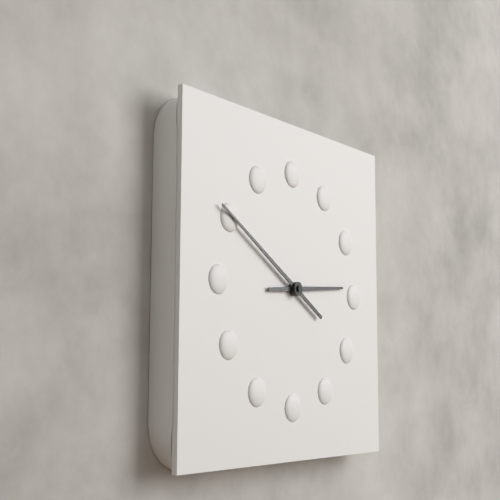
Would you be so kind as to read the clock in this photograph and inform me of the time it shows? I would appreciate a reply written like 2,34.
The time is 2,50
